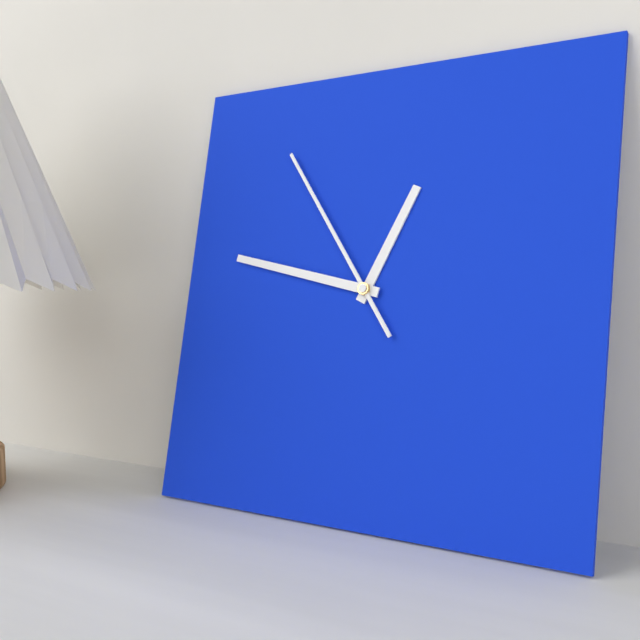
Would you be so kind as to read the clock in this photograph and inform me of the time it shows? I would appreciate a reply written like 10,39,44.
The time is 12,47,54
